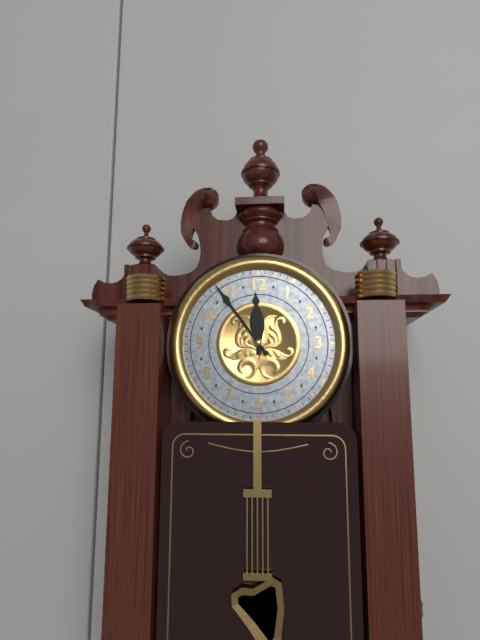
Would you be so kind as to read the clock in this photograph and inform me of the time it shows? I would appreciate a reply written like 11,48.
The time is 11,54
